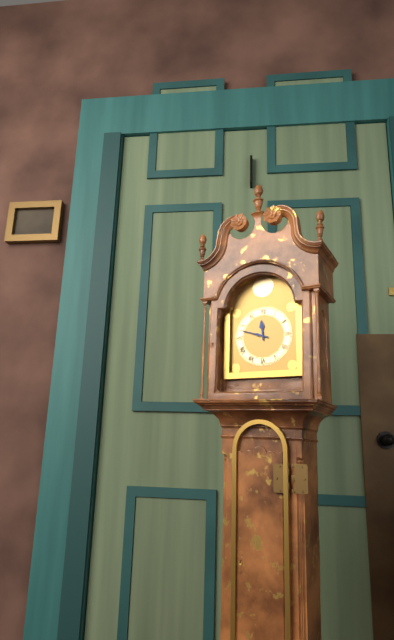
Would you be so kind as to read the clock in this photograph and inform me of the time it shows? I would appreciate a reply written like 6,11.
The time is 11,48
